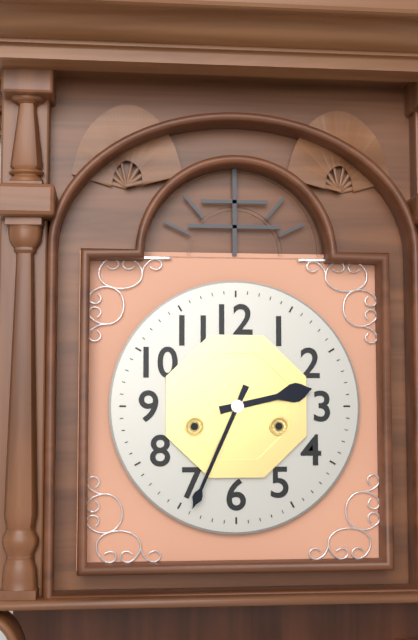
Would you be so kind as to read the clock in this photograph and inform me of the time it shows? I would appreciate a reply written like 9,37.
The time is 2,34
